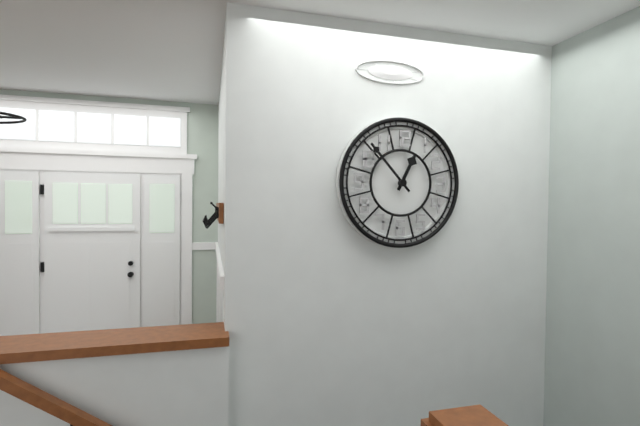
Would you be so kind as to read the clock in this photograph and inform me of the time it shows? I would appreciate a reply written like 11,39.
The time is 12,53
